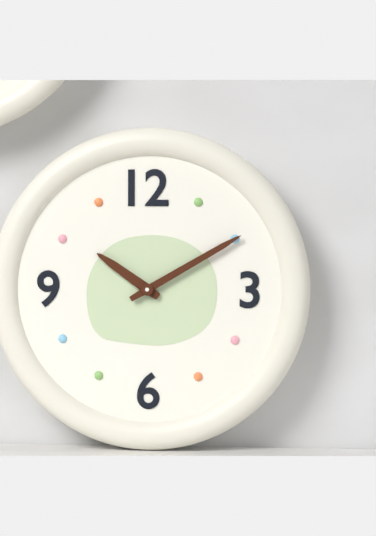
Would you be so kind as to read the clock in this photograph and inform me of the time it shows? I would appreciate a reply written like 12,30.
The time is 10,10
